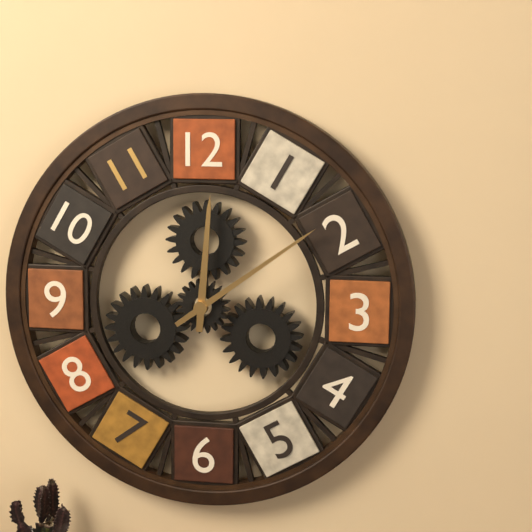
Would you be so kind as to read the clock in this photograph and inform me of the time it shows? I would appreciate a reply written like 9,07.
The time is 12,09
